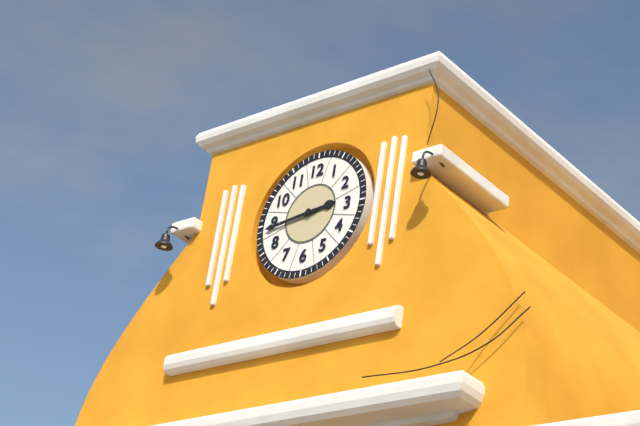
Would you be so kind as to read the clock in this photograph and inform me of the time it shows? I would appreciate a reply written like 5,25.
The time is 2,44
